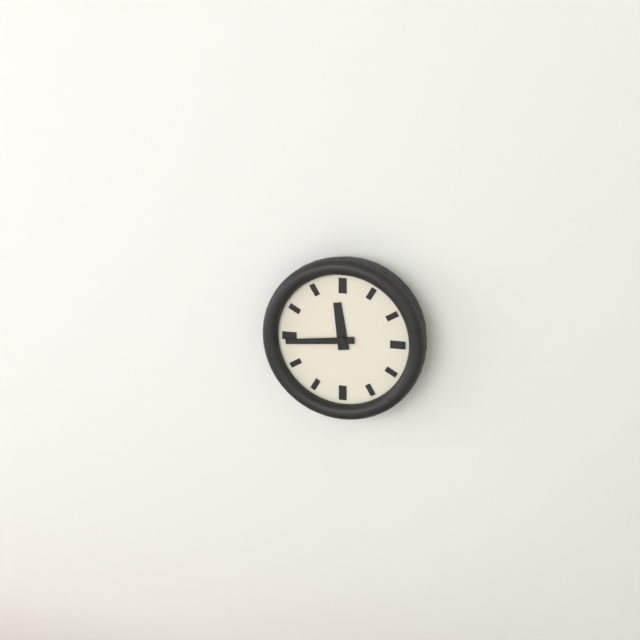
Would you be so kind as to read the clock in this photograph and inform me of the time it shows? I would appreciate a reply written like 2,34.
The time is 11,44
